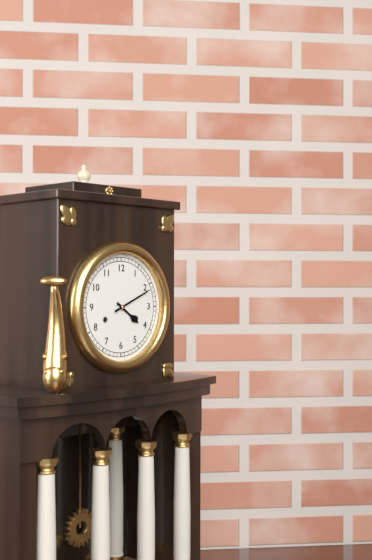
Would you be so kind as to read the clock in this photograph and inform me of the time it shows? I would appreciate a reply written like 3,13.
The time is 4,11
